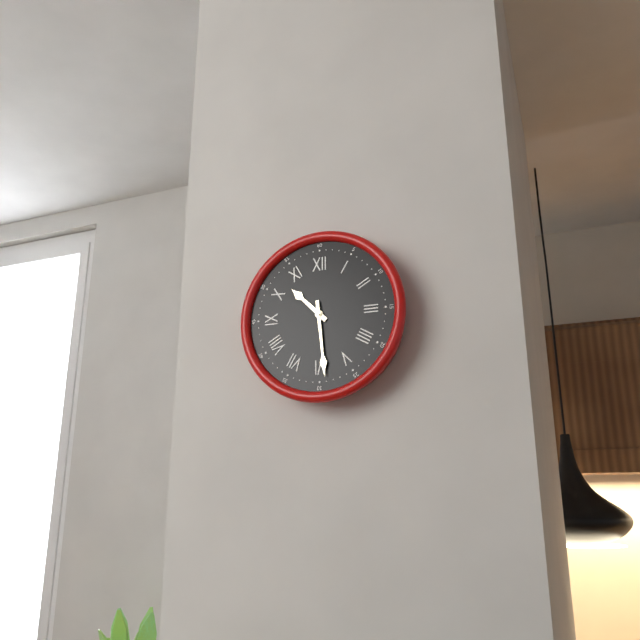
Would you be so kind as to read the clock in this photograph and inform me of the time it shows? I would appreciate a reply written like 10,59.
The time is 10,29
